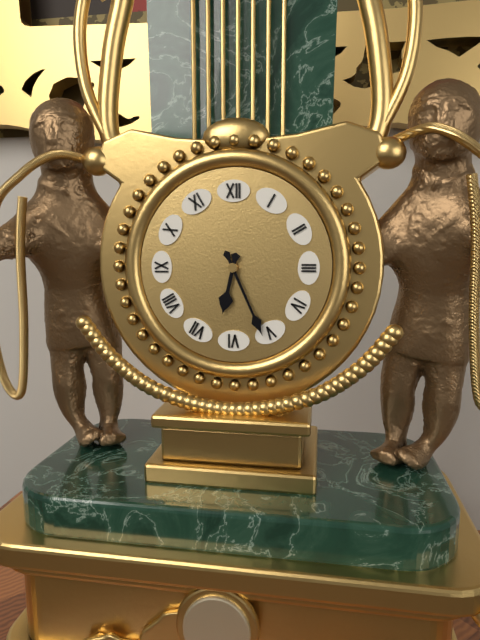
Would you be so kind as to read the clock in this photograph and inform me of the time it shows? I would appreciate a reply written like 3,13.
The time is 6,26
